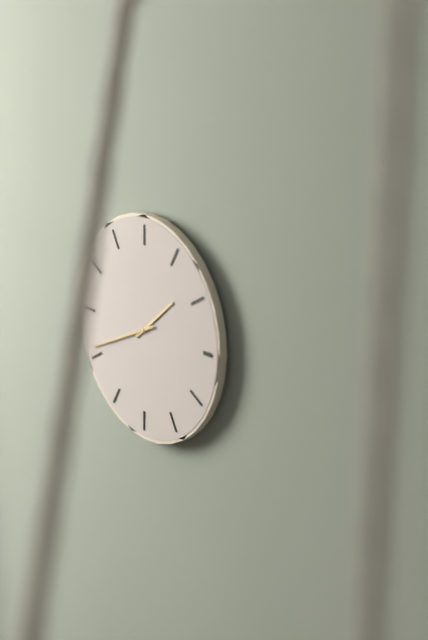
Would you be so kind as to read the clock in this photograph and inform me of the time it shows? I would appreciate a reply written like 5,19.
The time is 1,41
